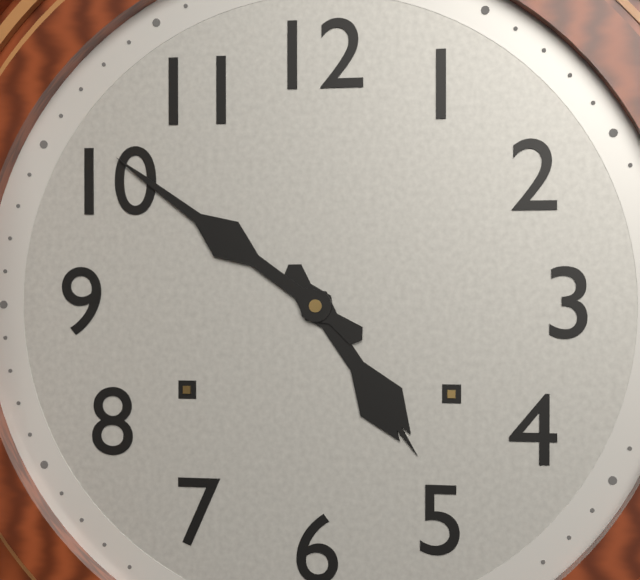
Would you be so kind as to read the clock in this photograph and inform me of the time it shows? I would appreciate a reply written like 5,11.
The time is 4,51
